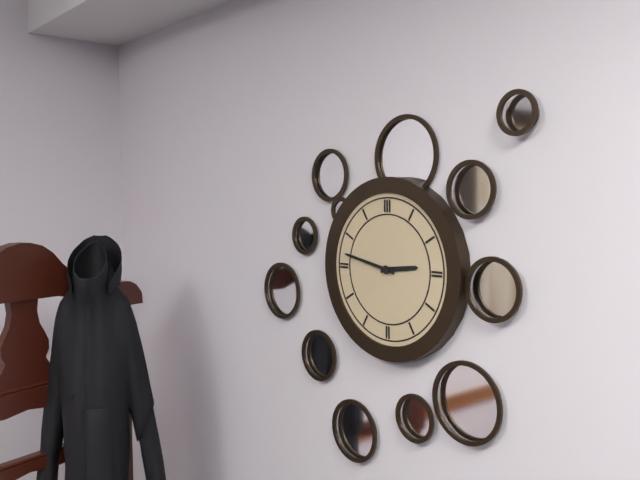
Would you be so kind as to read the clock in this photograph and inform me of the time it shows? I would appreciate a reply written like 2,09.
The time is 2,47
